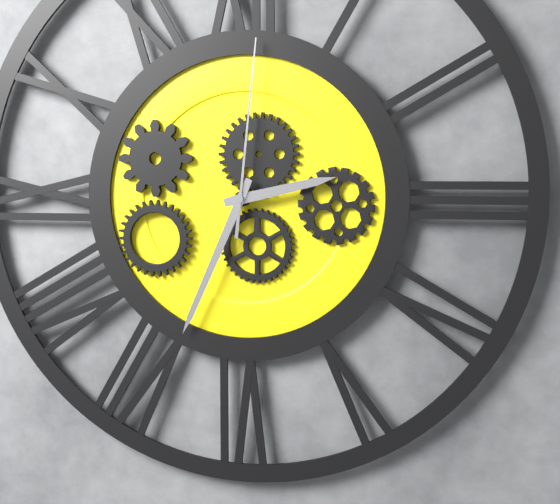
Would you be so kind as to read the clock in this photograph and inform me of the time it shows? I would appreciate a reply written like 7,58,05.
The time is 2,34,01
